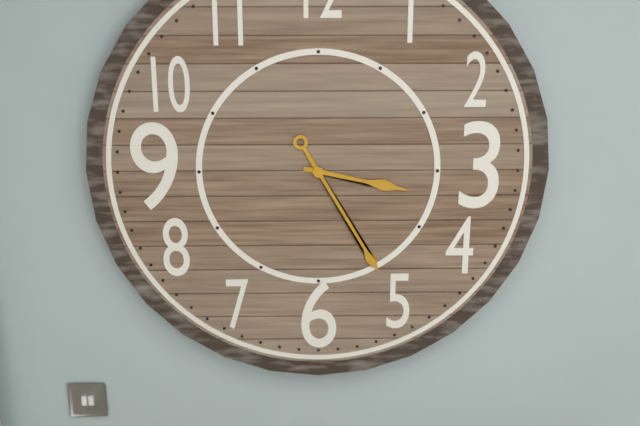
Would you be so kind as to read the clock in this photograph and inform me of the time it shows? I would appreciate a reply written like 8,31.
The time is 3,25
